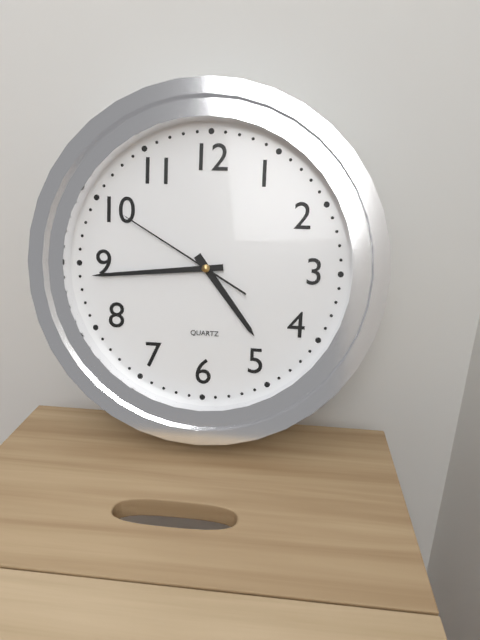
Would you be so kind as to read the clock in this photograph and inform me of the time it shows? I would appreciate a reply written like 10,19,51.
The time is 4,44,50
